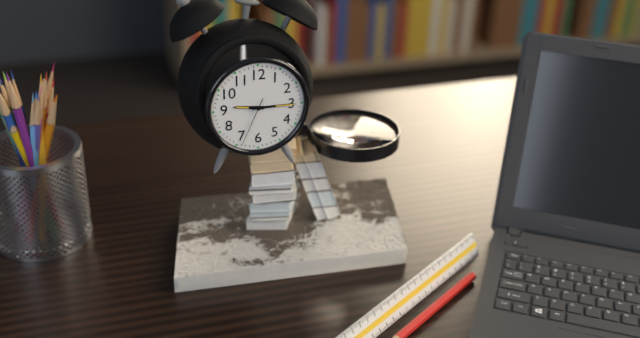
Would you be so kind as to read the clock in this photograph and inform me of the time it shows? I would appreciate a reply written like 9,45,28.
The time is 9,15,34
